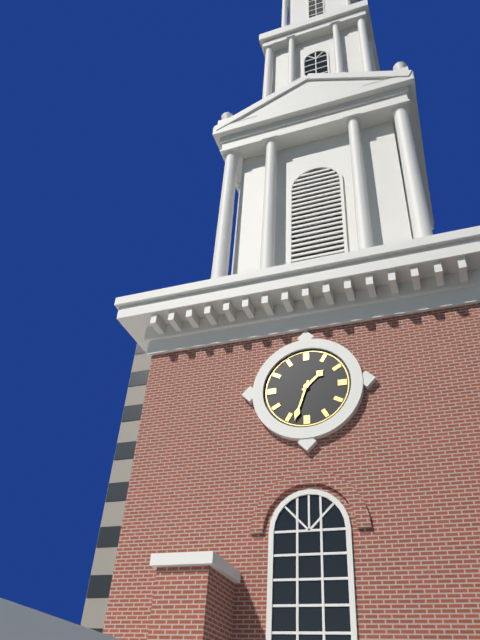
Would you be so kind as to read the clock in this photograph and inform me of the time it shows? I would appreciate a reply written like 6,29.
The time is 1,33
